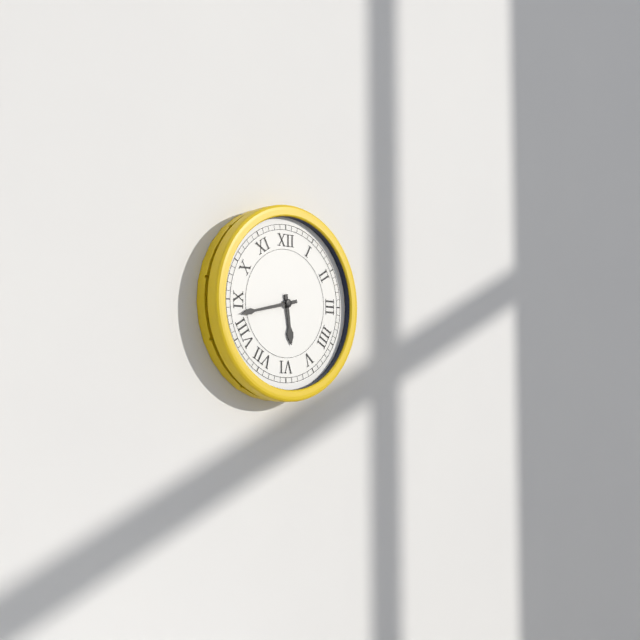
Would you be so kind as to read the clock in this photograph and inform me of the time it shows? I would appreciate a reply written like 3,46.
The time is 5,43
